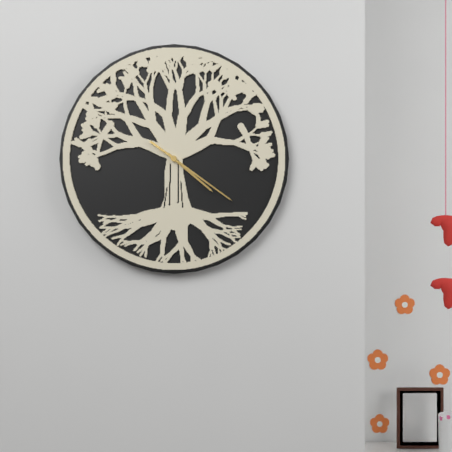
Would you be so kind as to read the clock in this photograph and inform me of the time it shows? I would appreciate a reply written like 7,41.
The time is 4,21
